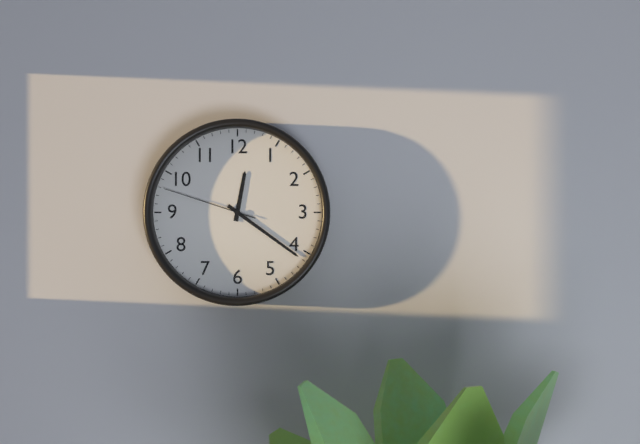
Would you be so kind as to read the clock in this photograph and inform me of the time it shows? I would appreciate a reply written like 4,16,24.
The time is 12,21,48
